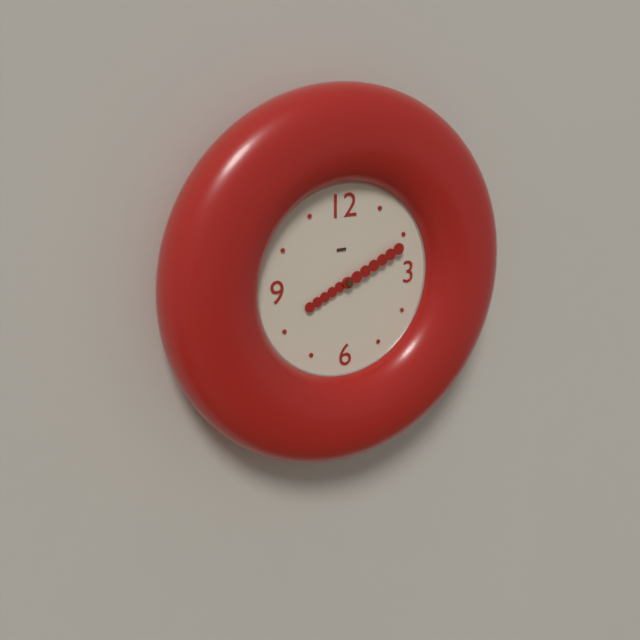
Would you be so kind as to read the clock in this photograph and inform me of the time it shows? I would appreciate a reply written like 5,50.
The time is 8,11
